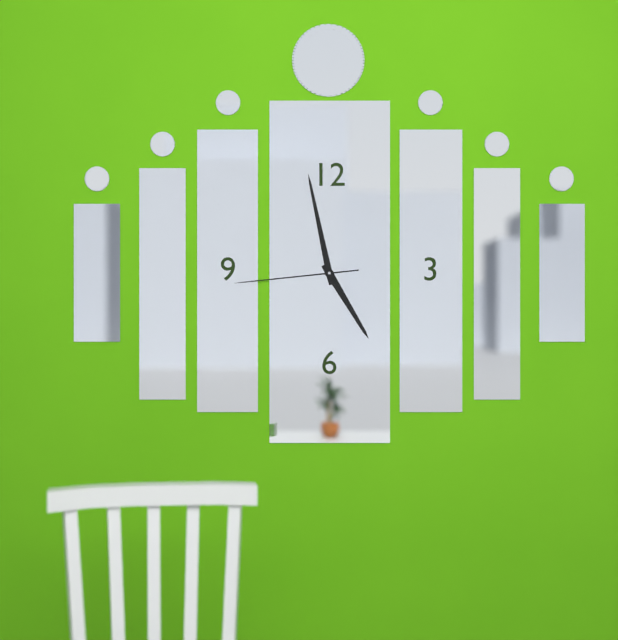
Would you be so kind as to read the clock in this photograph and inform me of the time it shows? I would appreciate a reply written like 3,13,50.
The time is 4,58,44
